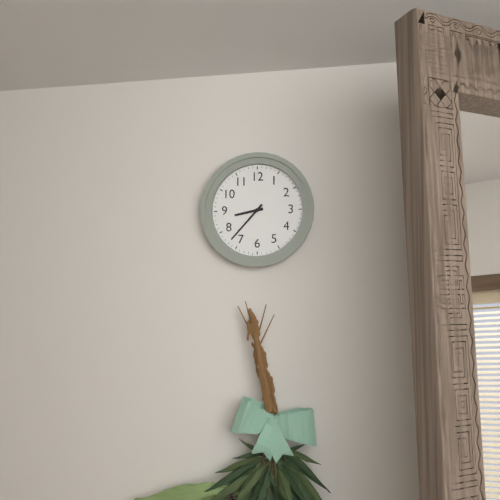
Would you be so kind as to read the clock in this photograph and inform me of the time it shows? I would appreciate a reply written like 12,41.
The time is 8,37
